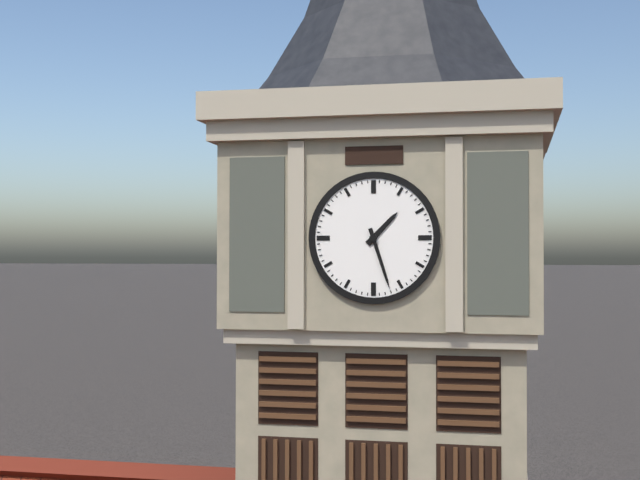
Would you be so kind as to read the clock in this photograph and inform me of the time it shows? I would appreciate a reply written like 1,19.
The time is 1,27
